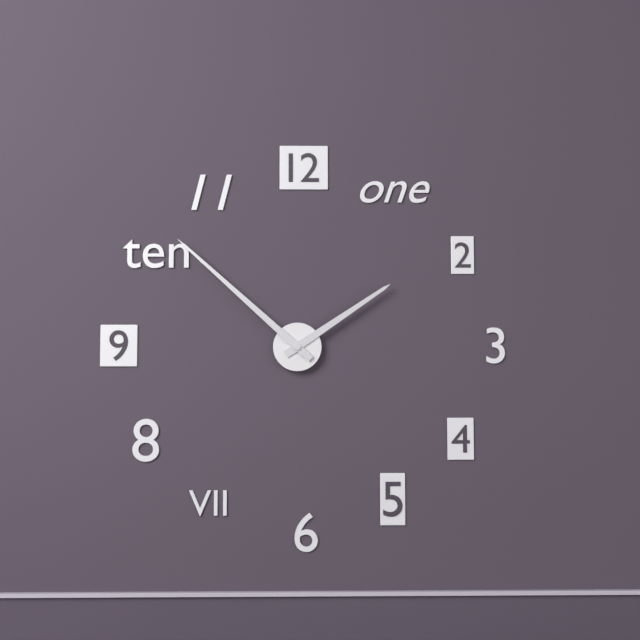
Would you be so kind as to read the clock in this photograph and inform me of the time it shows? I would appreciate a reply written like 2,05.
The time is 1,52
